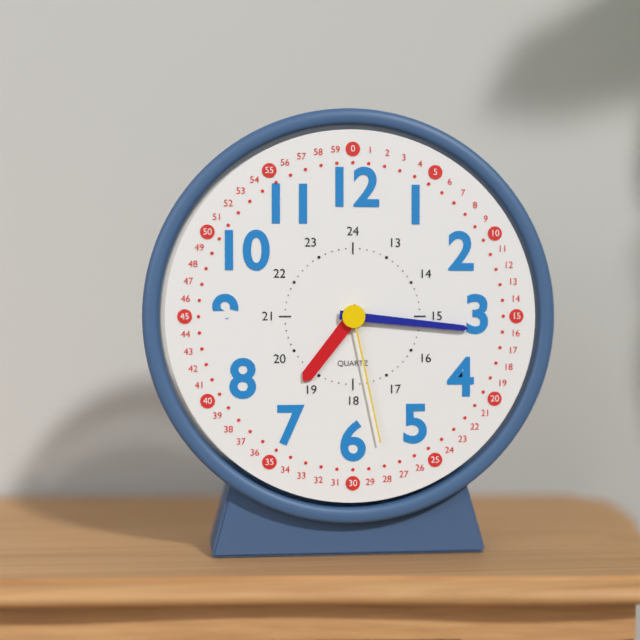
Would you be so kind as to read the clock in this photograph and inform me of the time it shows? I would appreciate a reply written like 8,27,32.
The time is 7,16,28
